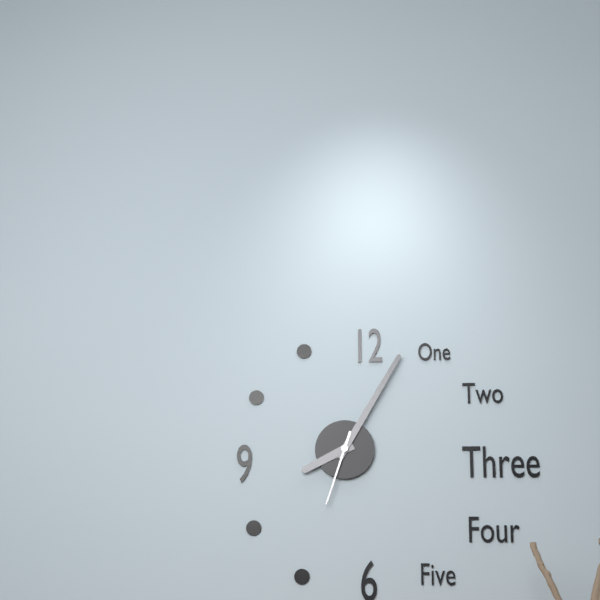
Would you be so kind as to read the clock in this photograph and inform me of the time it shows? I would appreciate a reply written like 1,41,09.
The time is 8,05,33
